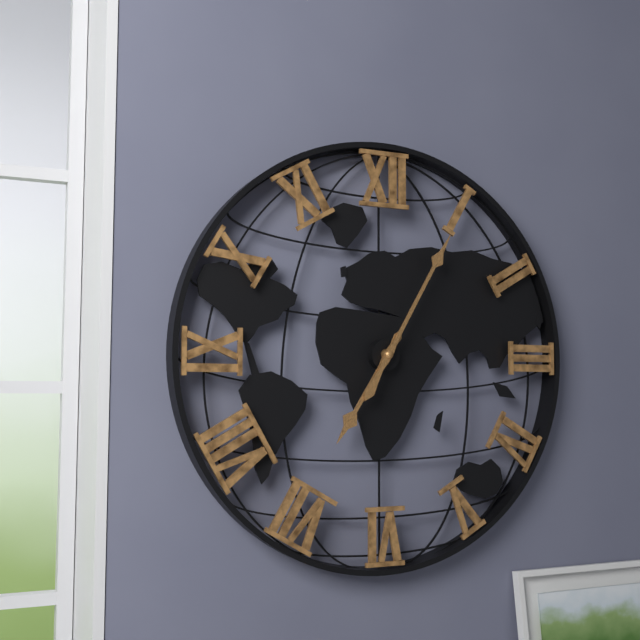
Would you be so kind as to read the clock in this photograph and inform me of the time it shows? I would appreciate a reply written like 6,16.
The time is 7,05
